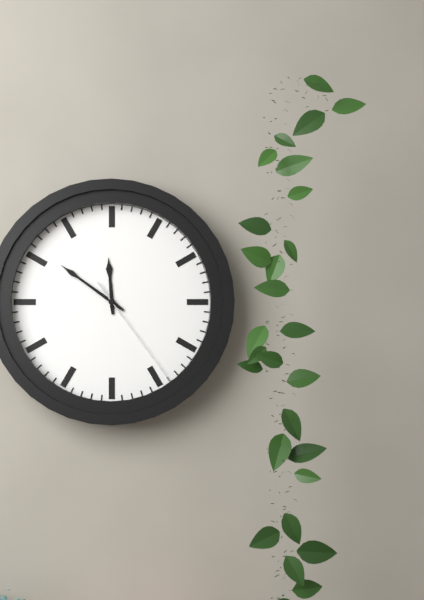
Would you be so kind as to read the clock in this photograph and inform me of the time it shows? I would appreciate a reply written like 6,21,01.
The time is 11,51,24
